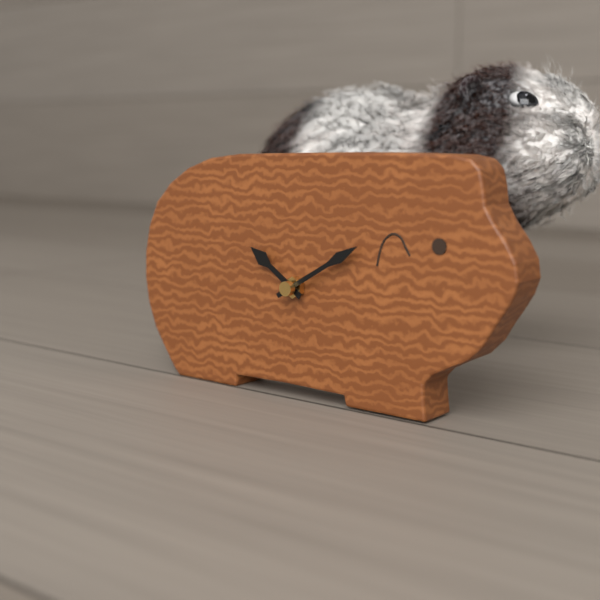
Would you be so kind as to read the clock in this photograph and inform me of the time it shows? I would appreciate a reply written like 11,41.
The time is 10,10
